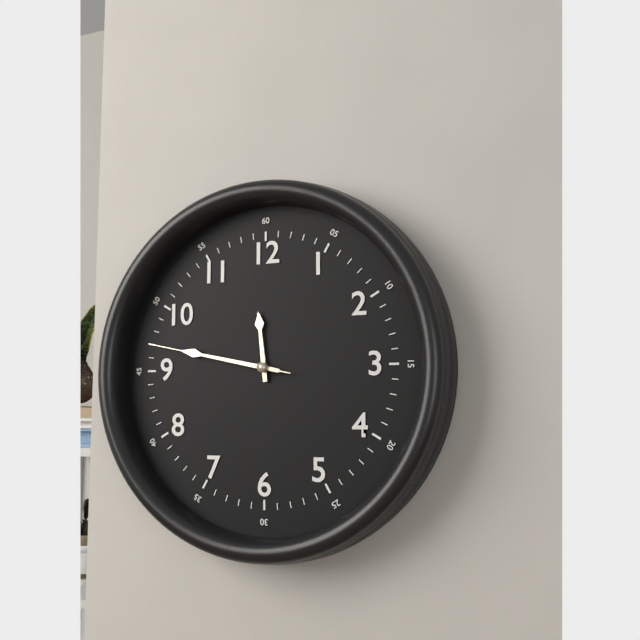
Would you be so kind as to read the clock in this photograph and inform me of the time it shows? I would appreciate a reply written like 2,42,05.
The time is 11,47,47
